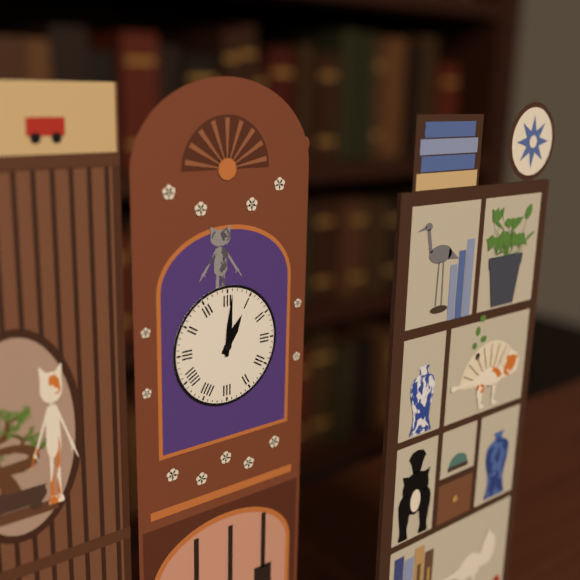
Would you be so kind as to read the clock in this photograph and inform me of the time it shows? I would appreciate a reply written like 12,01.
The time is 1,01
